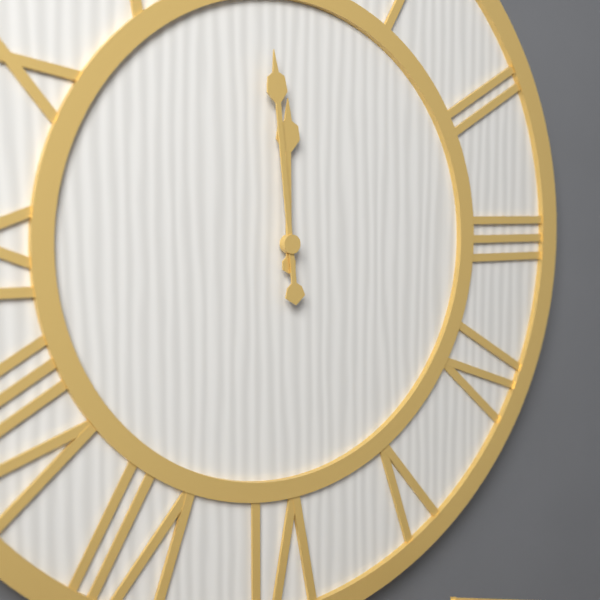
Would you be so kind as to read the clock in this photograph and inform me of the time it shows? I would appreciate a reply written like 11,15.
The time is 11,59
